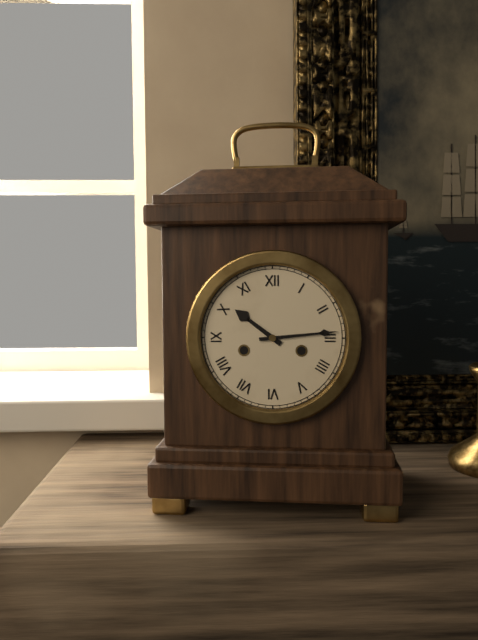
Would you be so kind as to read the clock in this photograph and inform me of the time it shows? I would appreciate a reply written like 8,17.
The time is 10,14
